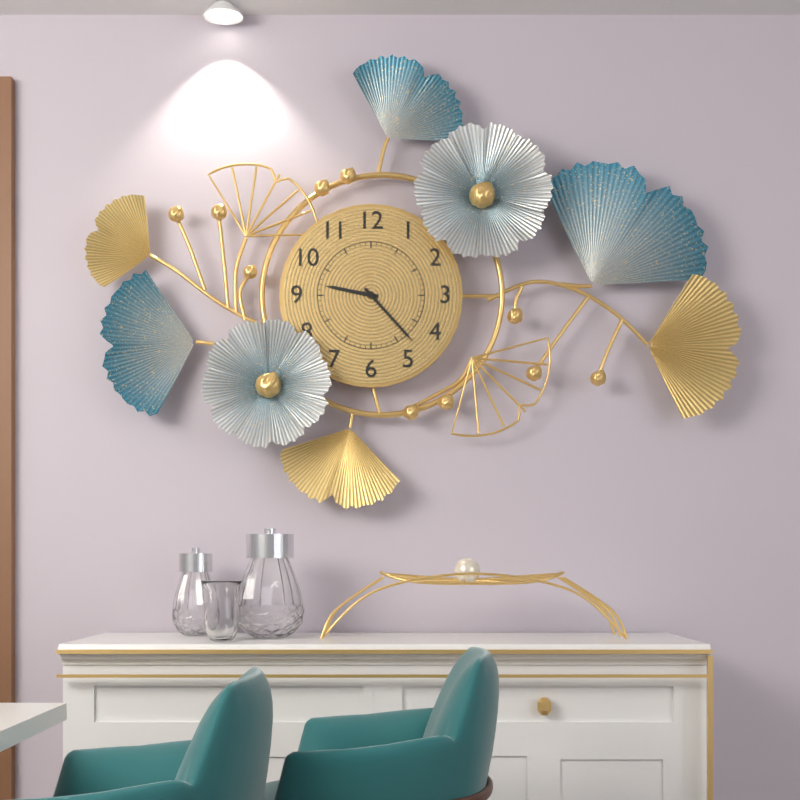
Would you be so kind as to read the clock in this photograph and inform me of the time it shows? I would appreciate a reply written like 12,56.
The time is 9,23
